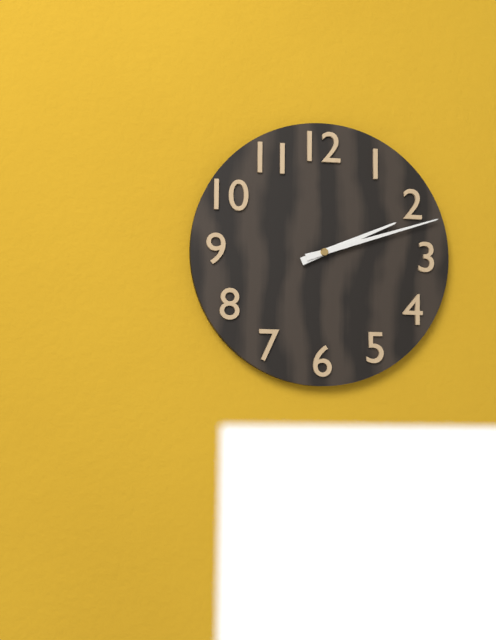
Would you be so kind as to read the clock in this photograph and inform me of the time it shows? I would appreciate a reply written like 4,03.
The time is 2,12
